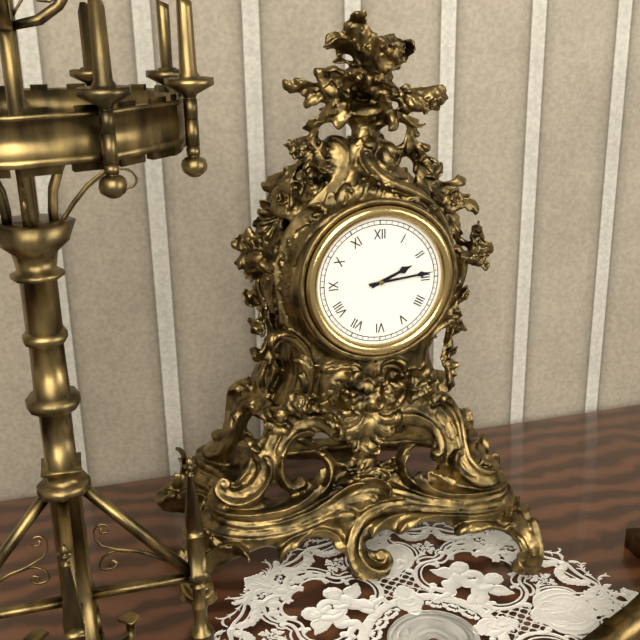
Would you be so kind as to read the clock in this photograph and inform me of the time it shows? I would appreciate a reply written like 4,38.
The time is 2,14
